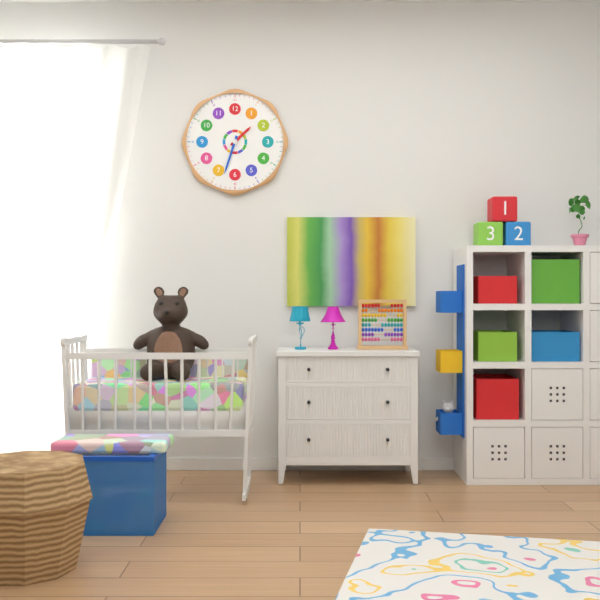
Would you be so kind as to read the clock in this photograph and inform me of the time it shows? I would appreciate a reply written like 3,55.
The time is 1,33
